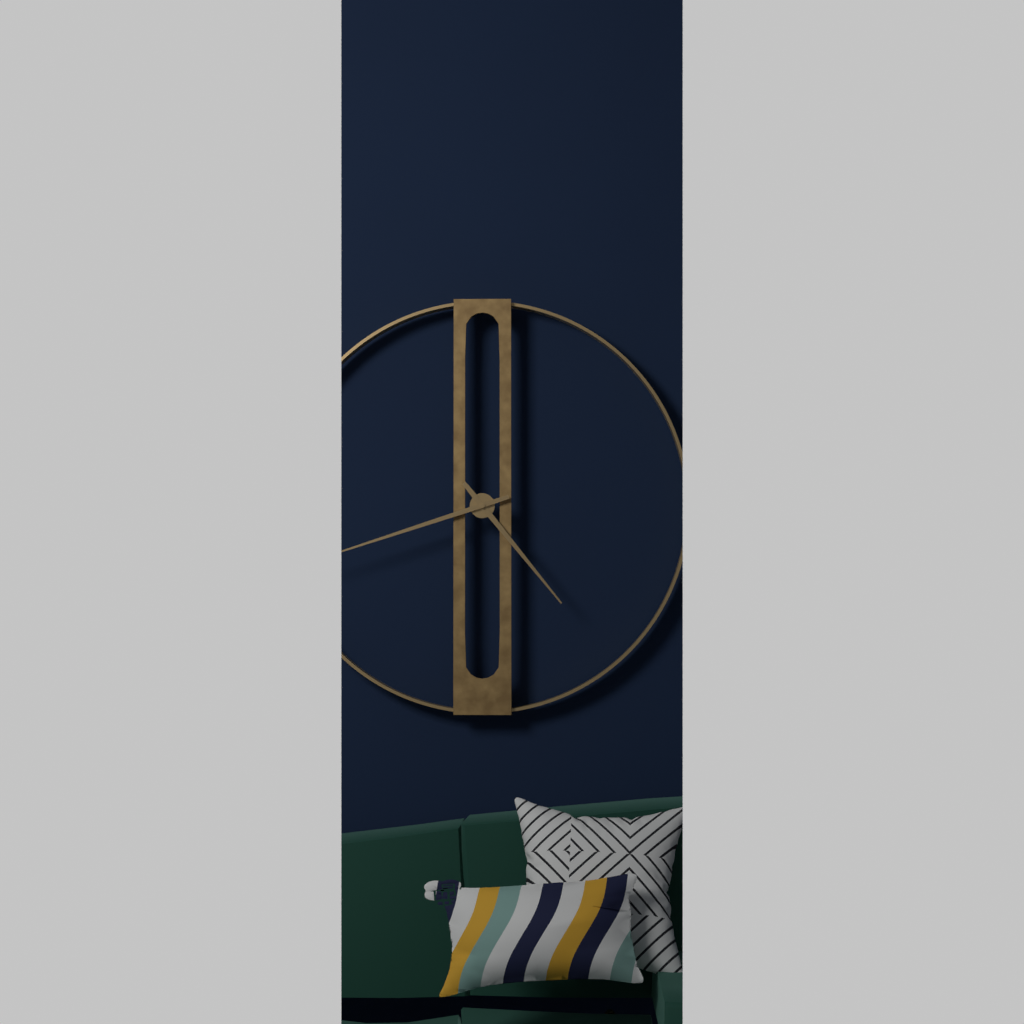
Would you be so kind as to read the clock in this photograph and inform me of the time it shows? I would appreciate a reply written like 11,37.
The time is 4,42
